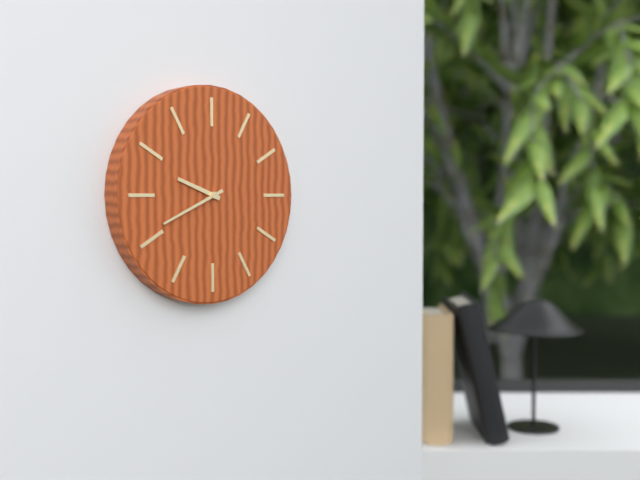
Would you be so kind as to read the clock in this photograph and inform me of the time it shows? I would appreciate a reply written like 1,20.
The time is 9,41
